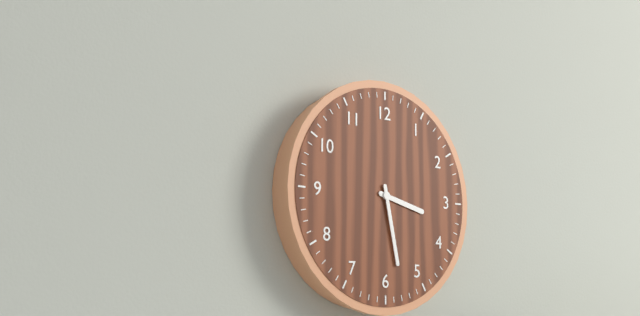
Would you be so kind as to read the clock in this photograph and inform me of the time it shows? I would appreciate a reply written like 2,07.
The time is 3,28
